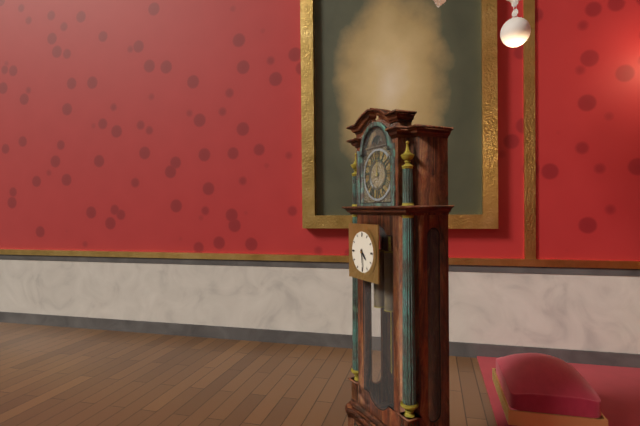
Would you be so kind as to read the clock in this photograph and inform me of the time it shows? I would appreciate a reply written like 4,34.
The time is 4,29
